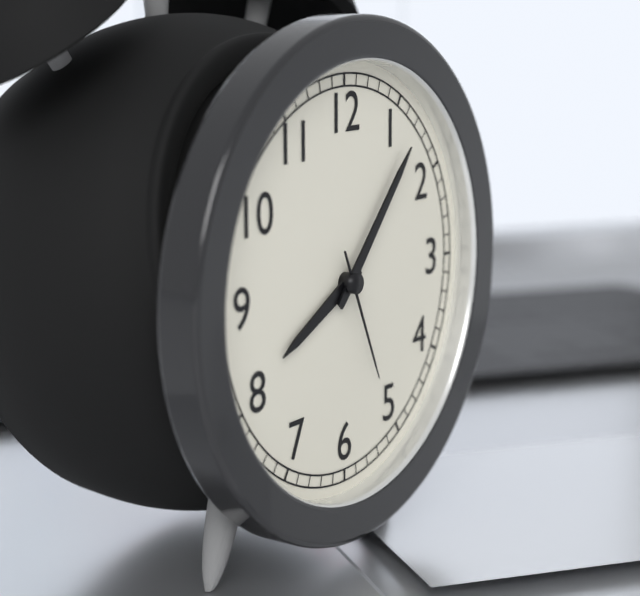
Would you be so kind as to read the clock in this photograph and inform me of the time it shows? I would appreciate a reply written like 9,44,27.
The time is 8,07,26
